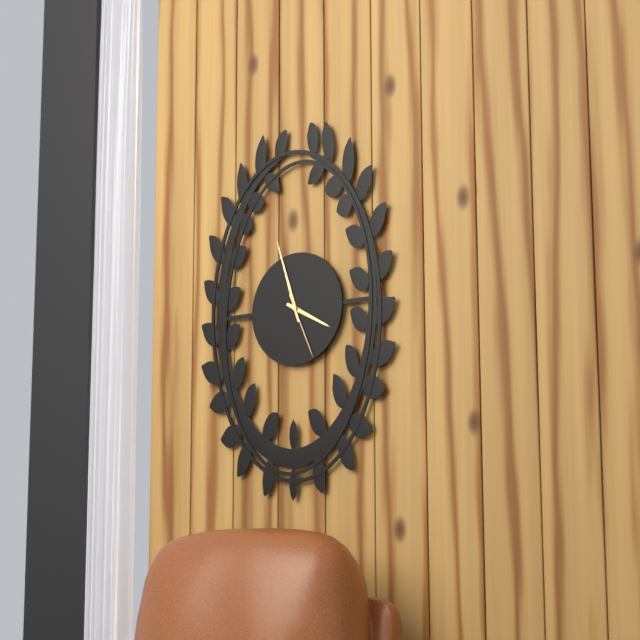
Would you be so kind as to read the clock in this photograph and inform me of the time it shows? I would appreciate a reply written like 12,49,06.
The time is 3,57,26
